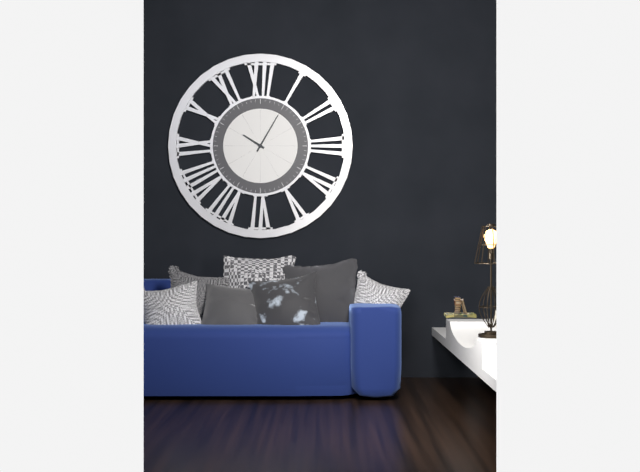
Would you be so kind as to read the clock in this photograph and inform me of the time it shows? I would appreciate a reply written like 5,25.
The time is 10,05
